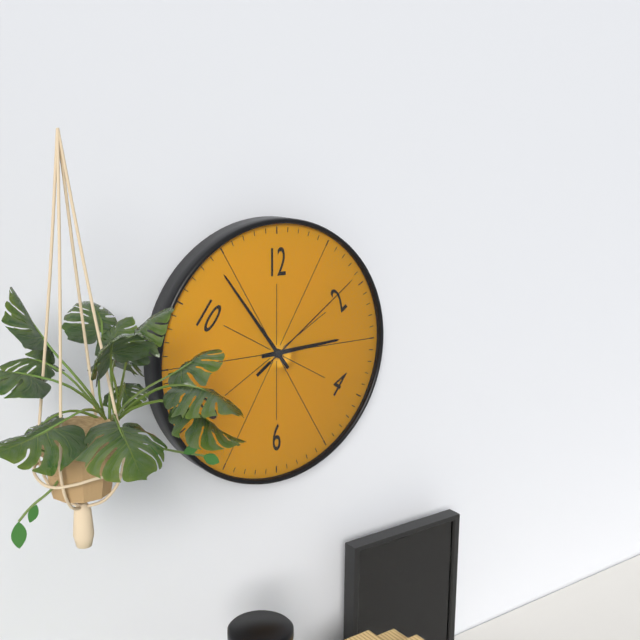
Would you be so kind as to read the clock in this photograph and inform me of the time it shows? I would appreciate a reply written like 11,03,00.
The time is 2,54,09
